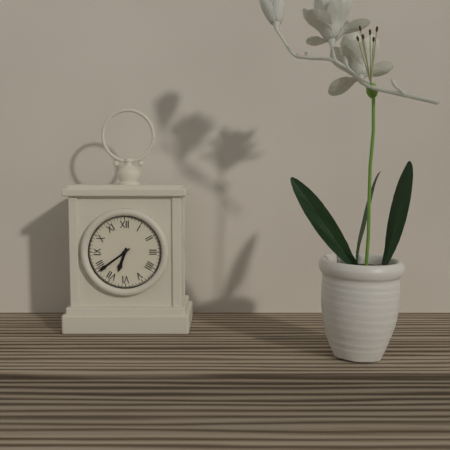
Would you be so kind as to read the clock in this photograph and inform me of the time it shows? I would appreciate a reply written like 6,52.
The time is 6,39
